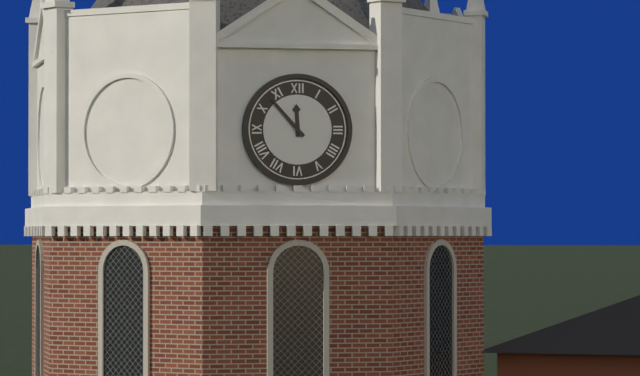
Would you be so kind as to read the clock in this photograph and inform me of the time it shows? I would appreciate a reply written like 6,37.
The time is 11,53
